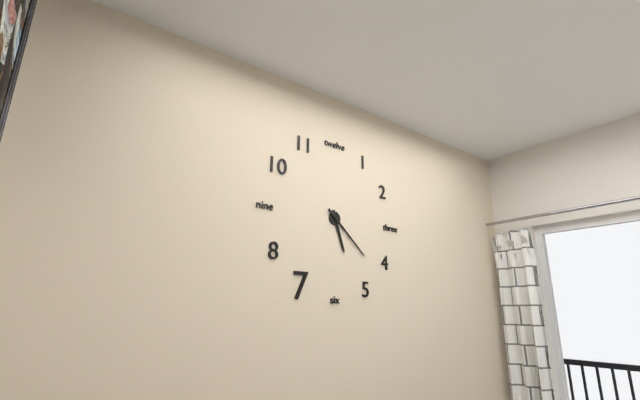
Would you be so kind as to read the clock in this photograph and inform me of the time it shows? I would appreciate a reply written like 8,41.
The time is 5,22
